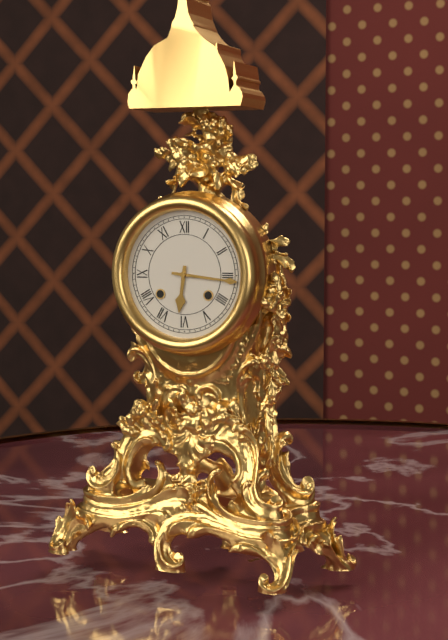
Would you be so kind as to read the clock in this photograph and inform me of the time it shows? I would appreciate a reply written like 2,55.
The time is 6,16
